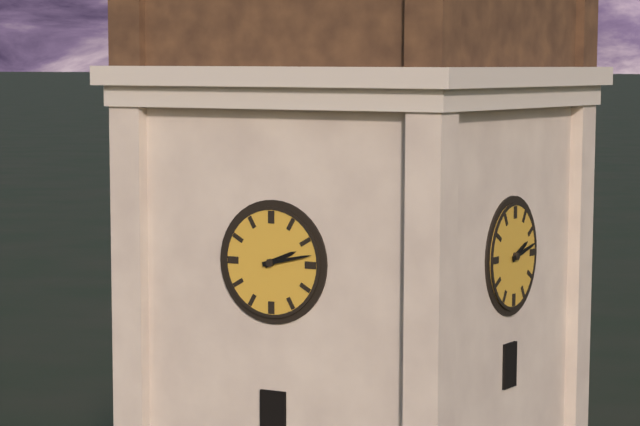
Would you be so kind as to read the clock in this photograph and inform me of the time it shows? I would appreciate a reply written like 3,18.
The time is 2,13
